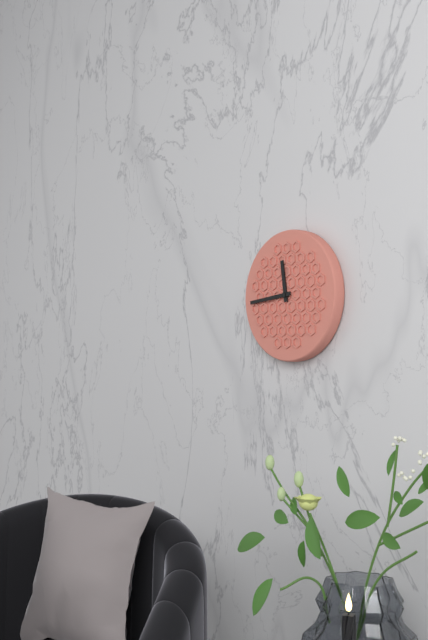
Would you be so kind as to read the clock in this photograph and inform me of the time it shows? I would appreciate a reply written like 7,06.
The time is 11,44
